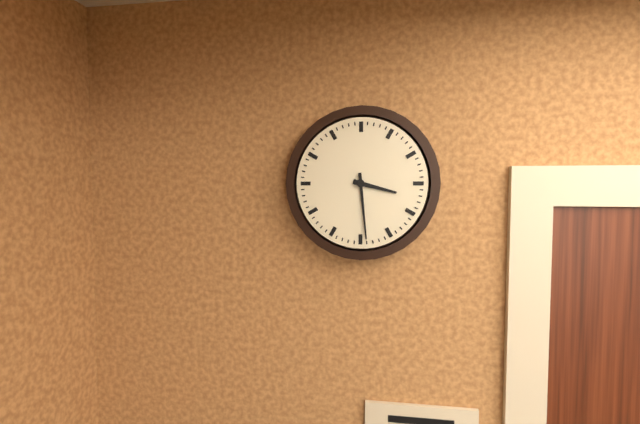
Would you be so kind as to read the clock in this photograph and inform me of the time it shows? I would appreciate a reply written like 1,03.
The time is 3,29
